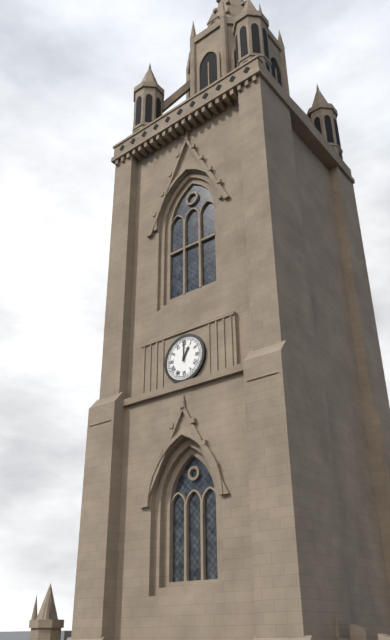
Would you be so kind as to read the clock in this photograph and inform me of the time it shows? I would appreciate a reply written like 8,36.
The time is 1,00
